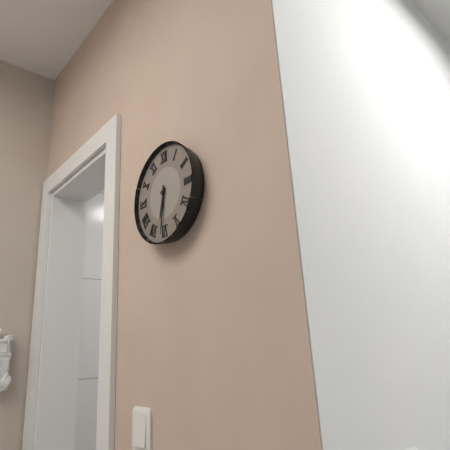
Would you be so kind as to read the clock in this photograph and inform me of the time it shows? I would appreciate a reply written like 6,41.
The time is 6,31
